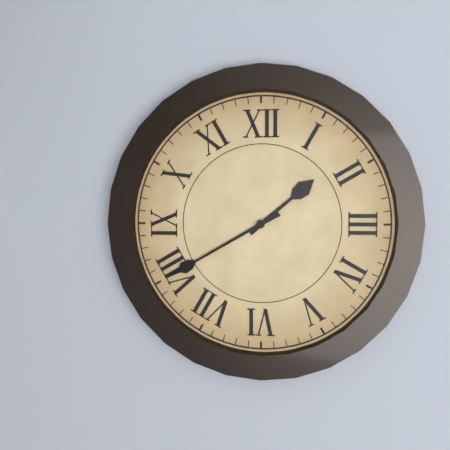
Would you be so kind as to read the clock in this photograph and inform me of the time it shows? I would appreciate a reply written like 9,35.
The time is 1,40
